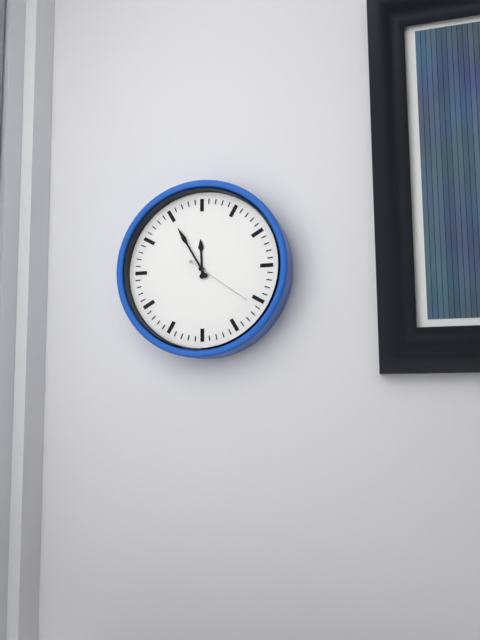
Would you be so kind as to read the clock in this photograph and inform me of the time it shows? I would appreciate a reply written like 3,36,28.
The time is 11,55,21
